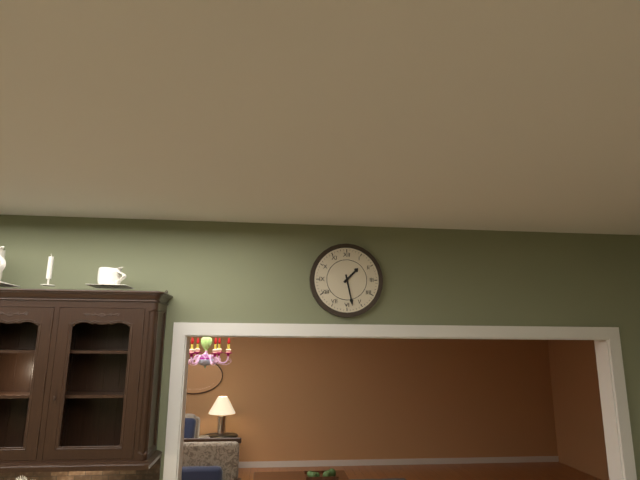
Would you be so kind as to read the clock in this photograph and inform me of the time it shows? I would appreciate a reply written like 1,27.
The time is 1,28
